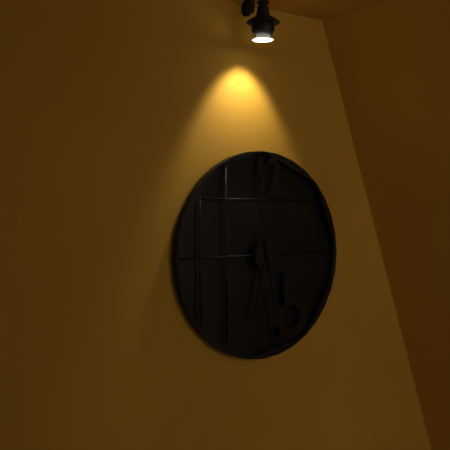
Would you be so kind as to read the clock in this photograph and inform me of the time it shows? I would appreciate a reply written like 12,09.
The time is 6,28
